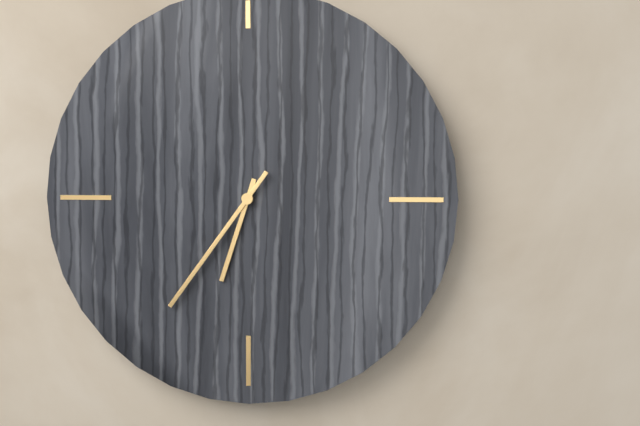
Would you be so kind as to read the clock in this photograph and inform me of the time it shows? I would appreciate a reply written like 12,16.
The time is 6,36
